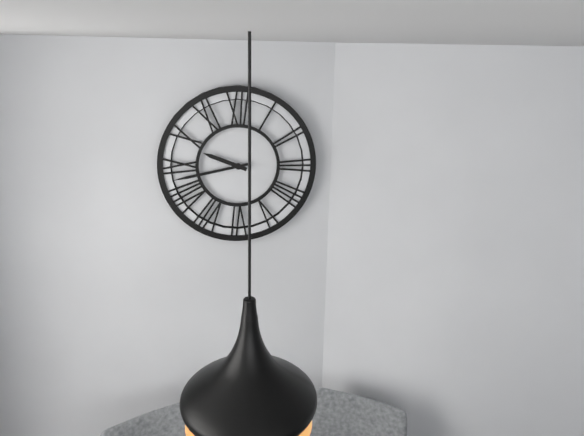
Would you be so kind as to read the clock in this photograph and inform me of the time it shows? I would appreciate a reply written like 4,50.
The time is 9,43
